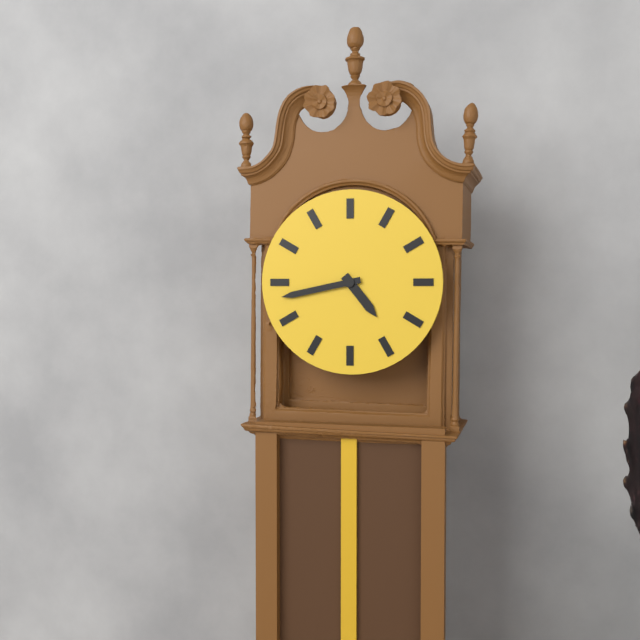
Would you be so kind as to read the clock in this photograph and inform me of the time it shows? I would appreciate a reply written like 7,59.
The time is 4,43
